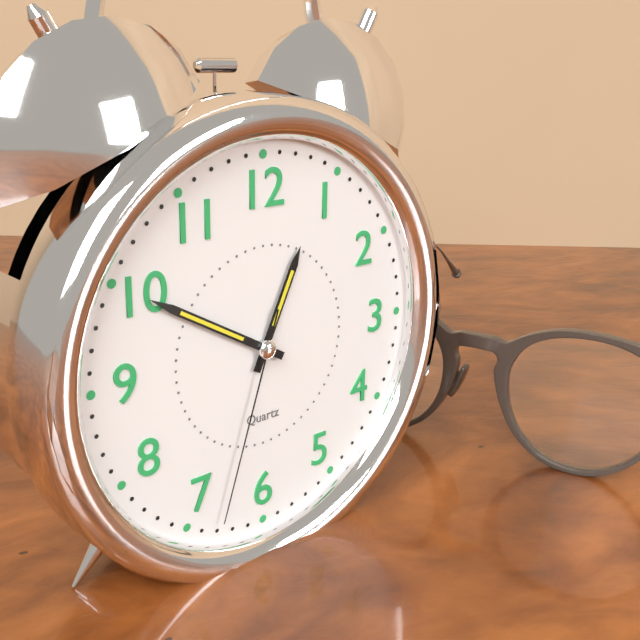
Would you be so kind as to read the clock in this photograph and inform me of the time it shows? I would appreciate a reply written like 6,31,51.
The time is 12,50,33
